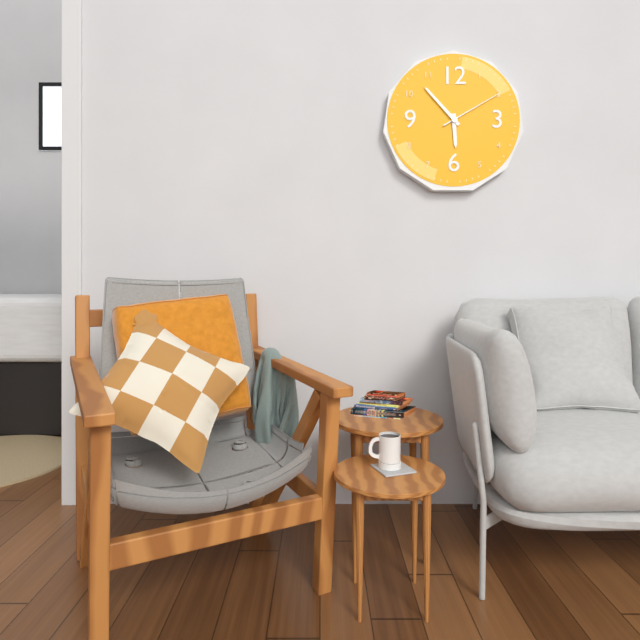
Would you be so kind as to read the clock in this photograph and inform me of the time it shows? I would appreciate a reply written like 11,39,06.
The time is 5,53,10
